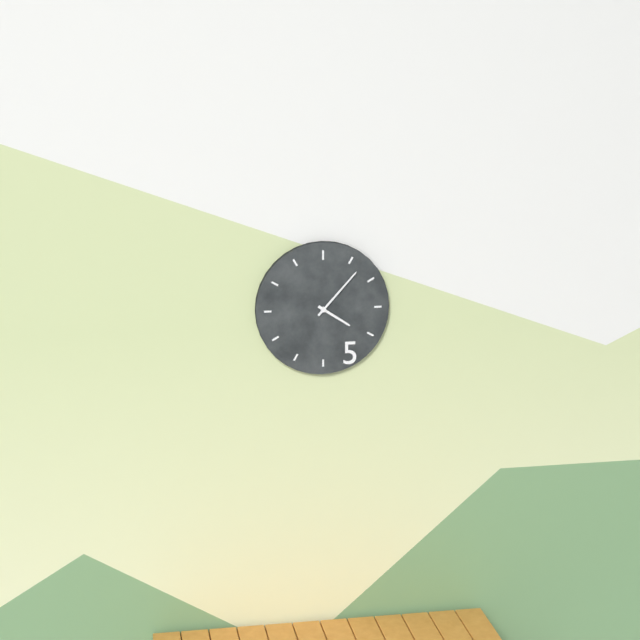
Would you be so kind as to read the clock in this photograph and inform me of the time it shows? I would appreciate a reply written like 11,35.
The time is 4,07
